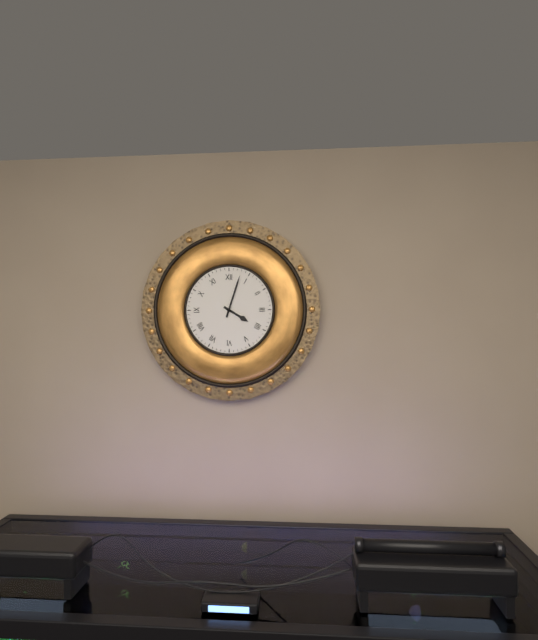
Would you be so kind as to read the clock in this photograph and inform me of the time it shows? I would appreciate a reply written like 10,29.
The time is 4,03
